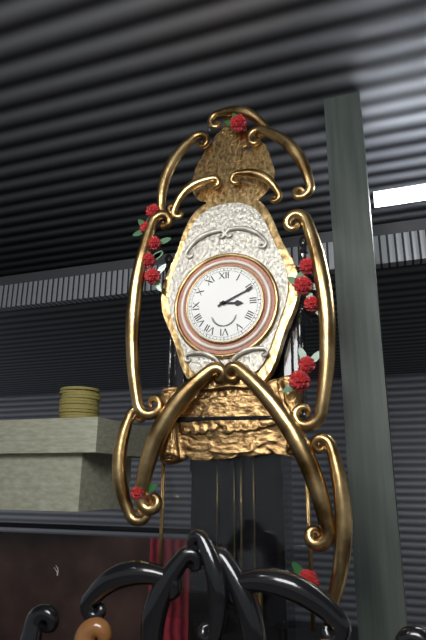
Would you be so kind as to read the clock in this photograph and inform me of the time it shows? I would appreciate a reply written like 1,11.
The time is 3,11
